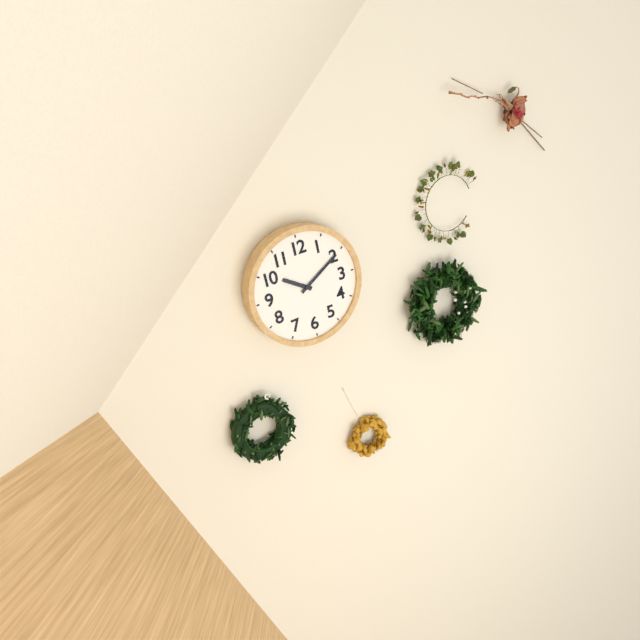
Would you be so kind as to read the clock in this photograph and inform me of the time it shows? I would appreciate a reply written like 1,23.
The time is 10,10
